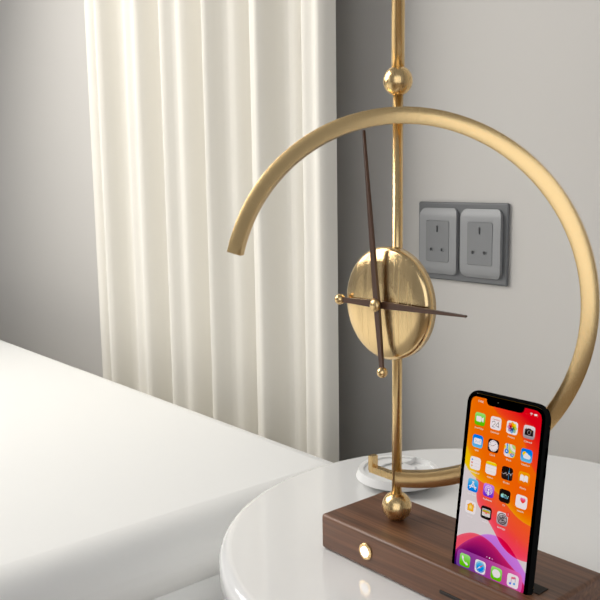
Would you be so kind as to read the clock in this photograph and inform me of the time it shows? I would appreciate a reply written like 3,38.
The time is 2,59
